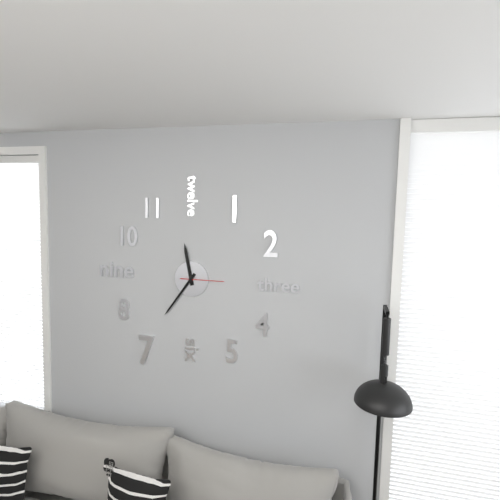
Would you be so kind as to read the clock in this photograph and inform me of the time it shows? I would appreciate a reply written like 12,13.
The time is 11,36
